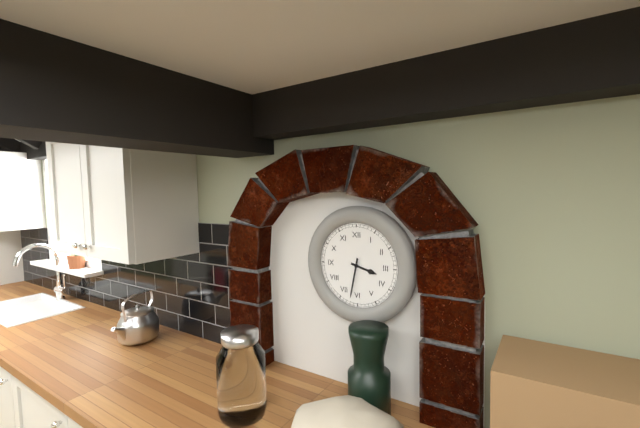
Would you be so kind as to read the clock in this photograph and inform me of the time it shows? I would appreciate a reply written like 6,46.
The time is 3,32
